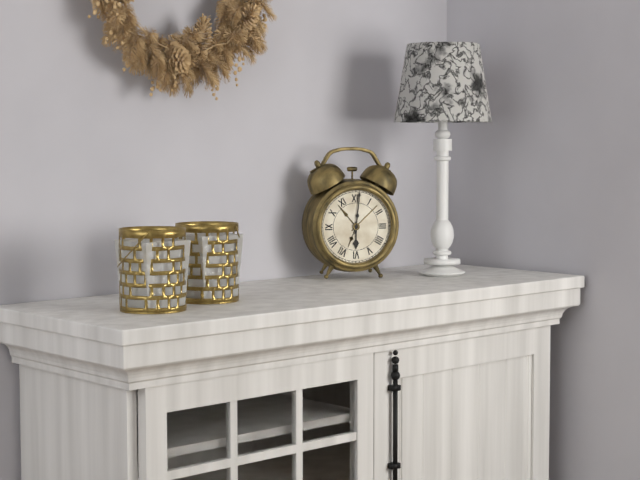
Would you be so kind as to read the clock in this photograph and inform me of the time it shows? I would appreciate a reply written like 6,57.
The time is 6,01
